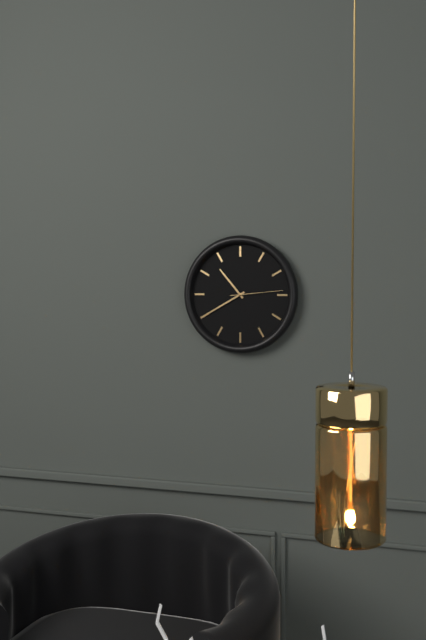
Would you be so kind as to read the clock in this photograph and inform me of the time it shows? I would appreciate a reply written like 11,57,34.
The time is 10,40,14
